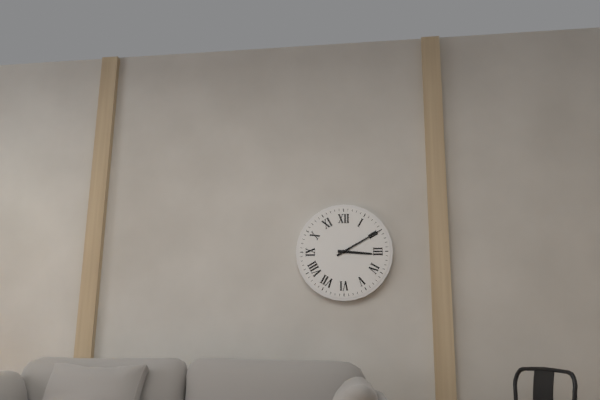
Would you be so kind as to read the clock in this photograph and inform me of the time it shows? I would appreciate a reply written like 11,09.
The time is 3,10
